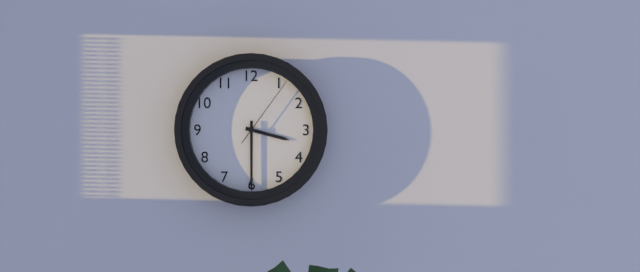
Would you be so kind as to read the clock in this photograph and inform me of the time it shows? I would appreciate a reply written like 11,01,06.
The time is 3,30,06
